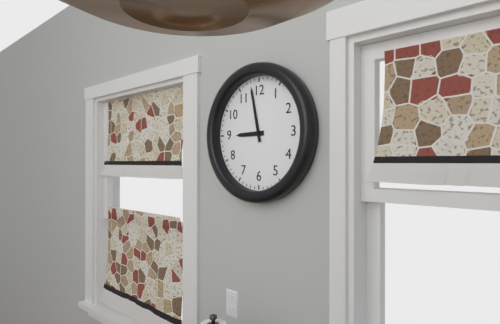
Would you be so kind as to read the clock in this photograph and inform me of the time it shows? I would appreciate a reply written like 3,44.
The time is 8,58
